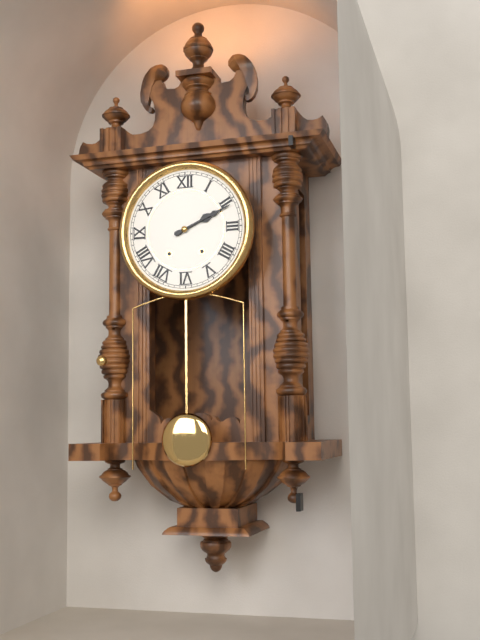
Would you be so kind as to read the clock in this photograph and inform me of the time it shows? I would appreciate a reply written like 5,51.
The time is 2,11
